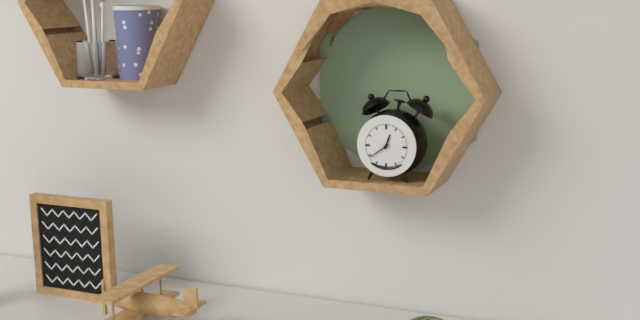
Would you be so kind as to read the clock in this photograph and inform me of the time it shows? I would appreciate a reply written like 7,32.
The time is 12,39
